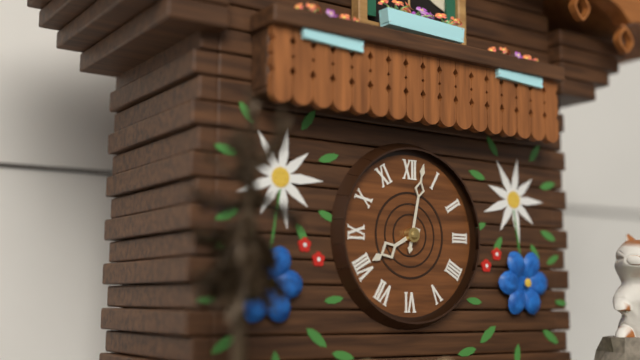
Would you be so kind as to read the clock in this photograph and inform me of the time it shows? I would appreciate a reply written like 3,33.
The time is 8,02
